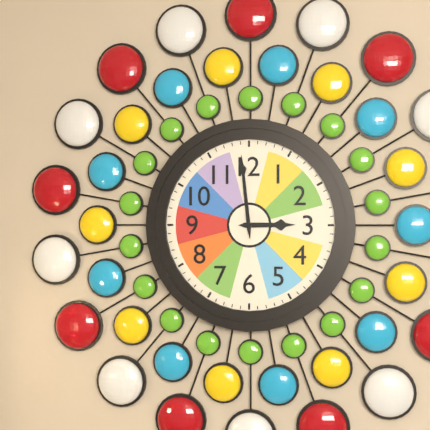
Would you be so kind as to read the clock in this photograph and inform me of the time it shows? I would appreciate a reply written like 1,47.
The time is 2,59
